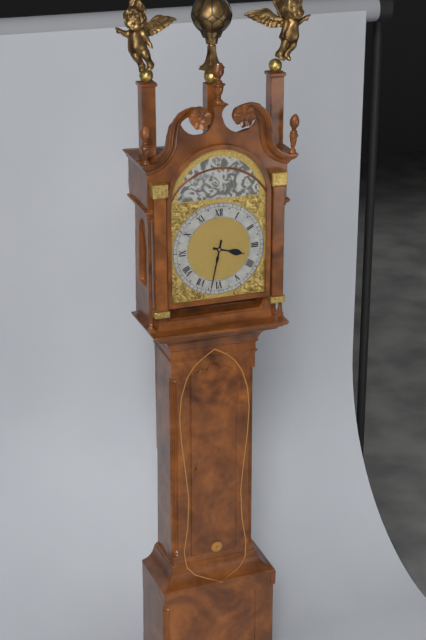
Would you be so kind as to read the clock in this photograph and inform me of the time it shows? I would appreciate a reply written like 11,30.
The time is 3,32
